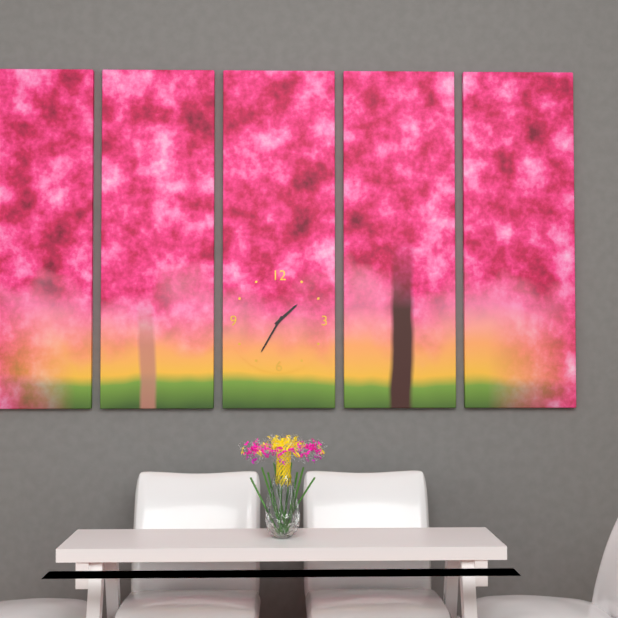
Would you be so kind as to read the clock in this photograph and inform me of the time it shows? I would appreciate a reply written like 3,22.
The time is 1,35
